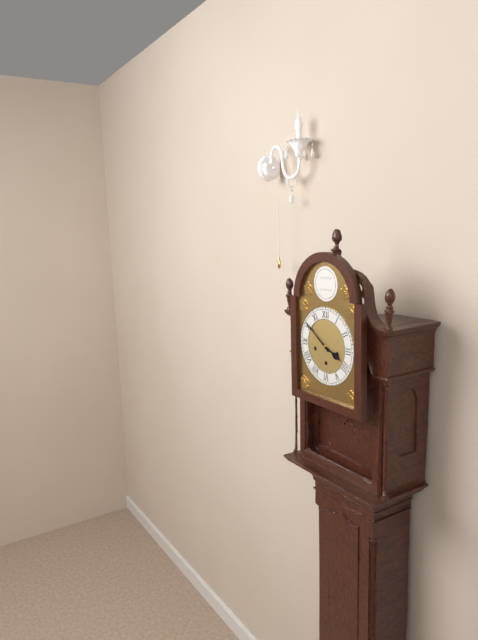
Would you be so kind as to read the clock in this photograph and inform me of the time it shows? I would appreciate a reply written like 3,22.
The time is 3,51
